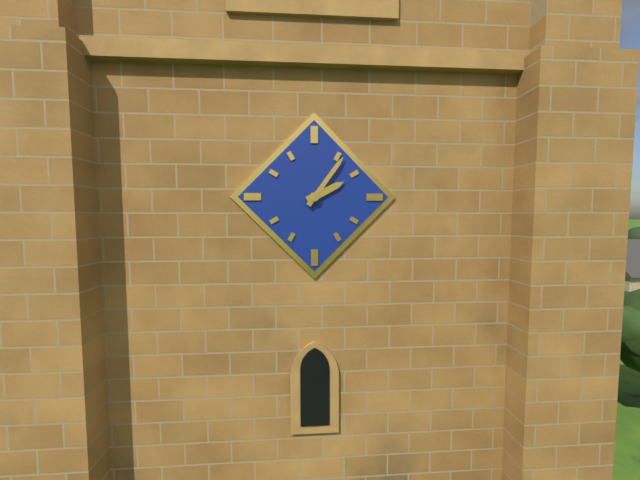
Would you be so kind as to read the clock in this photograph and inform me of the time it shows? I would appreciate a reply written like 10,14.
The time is 2,06
